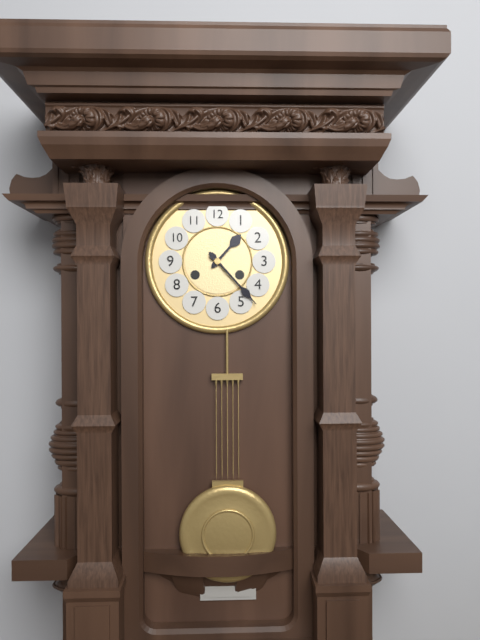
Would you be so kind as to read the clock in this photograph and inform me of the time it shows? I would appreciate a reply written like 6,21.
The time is 1,23
